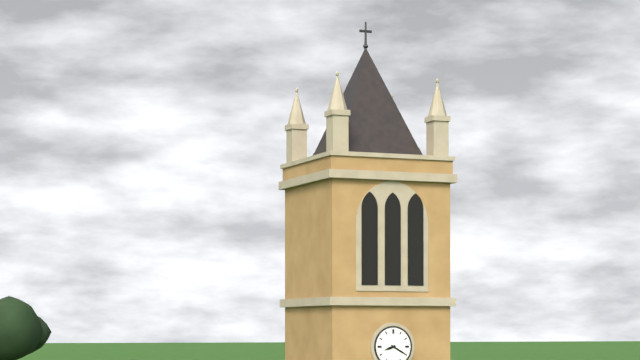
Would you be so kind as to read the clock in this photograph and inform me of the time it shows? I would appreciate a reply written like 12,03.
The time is 8,20
